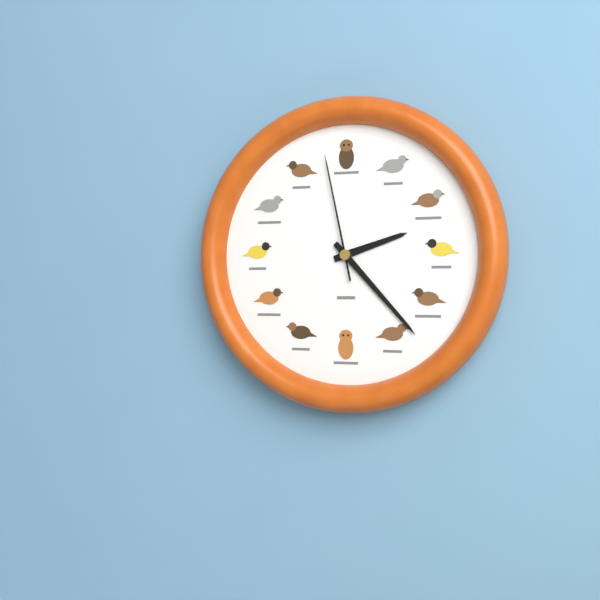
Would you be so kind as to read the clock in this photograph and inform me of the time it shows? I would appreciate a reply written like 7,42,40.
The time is 2,23,58
